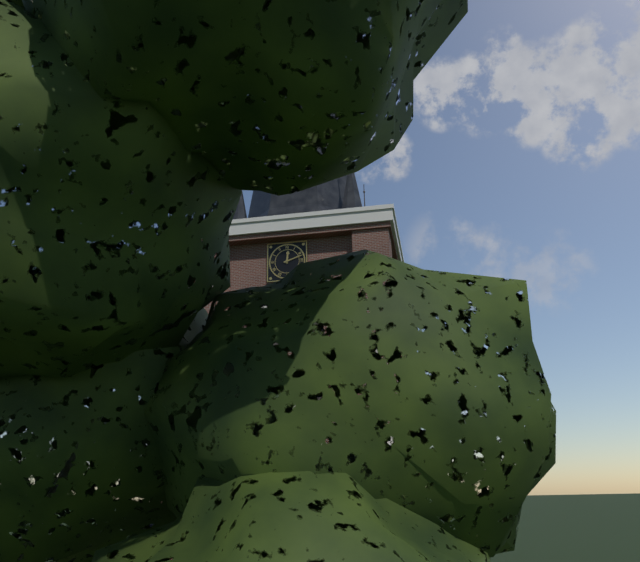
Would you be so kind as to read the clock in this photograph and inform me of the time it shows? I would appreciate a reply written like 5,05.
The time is 12,12
